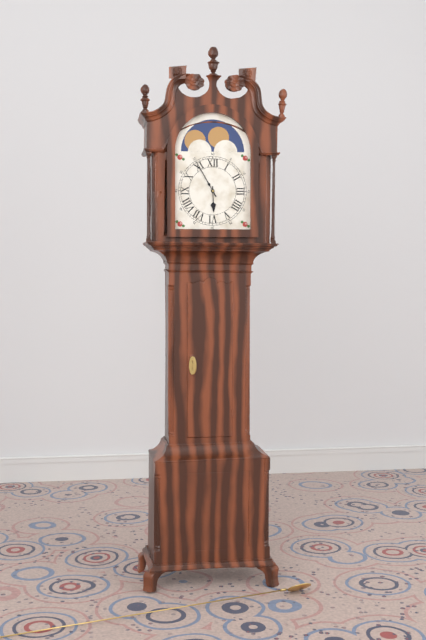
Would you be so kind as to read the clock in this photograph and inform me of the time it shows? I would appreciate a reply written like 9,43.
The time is 5,55
